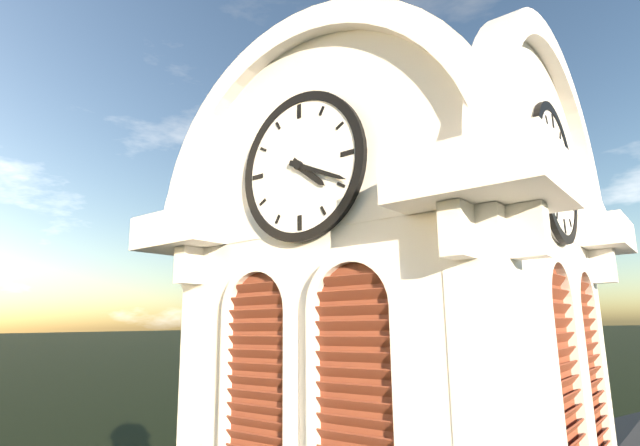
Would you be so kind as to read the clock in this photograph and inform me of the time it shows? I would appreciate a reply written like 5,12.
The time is 4,19
